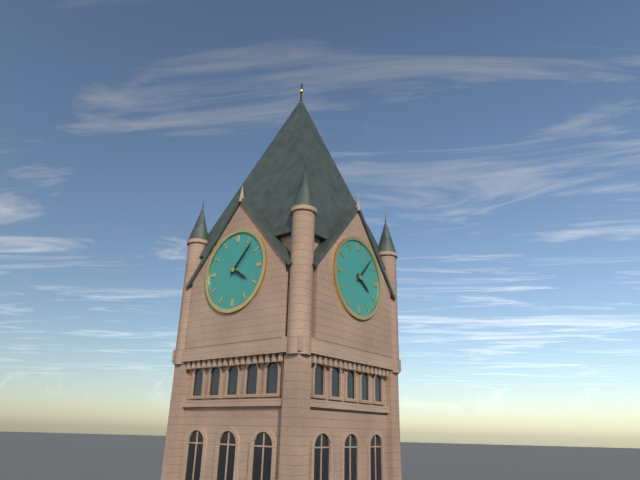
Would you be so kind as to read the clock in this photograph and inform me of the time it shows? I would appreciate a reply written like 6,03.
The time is 4,07
